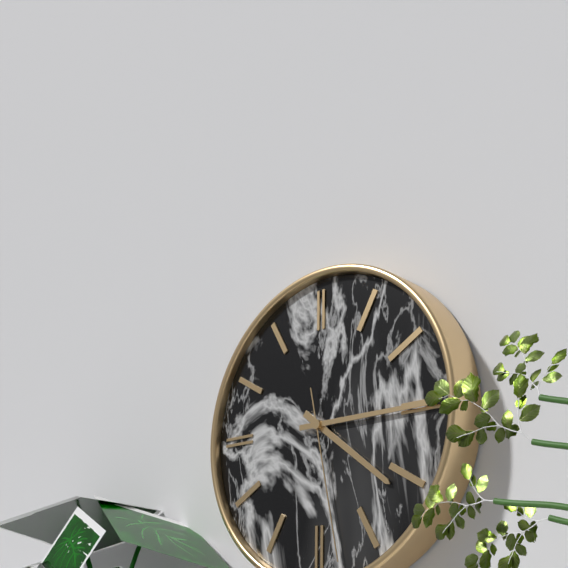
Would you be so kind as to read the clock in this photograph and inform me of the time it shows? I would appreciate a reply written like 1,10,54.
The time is 4,15,28
